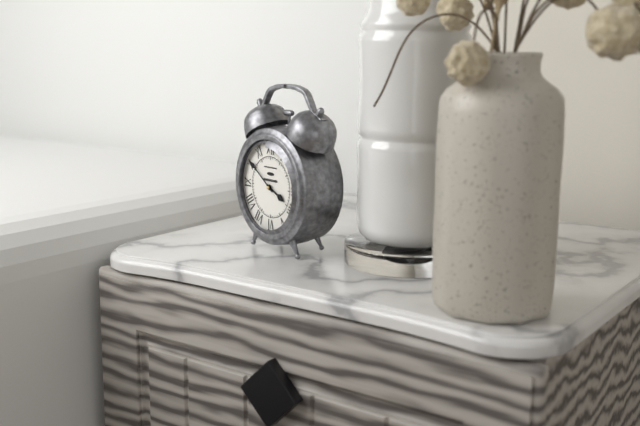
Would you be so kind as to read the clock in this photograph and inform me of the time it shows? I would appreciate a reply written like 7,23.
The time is 3,51
